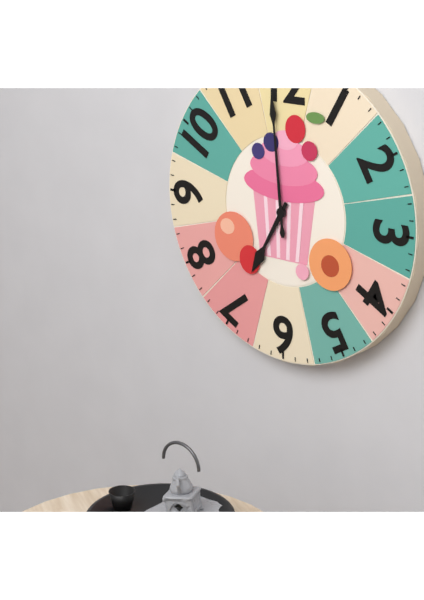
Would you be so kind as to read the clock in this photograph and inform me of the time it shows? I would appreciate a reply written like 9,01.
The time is 6,59
